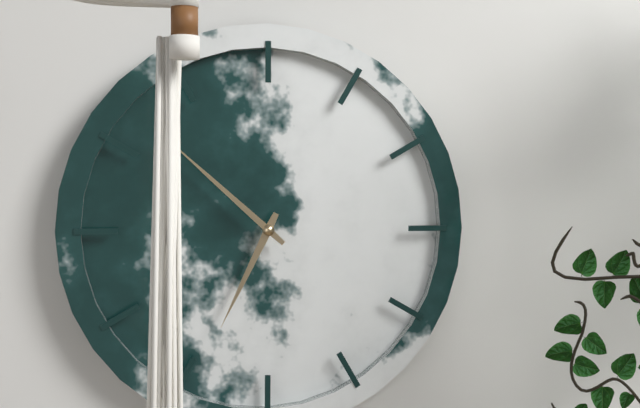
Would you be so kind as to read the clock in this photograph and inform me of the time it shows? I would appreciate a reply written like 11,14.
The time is 6,52
